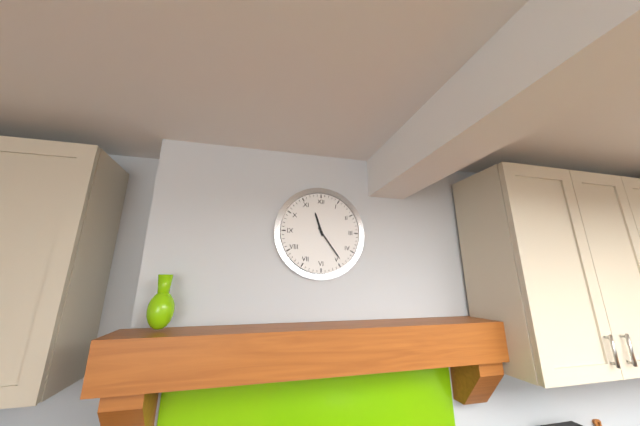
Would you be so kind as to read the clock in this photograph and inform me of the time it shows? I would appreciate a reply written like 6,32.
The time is 11,24
